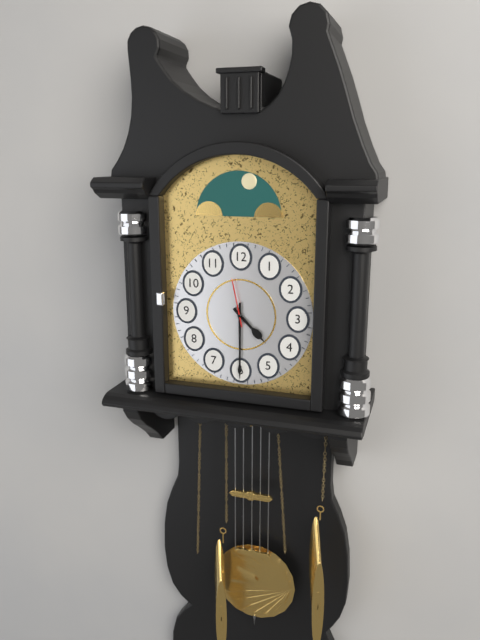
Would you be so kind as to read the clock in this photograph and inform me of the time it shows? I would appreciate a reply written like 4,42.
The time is 4,30
